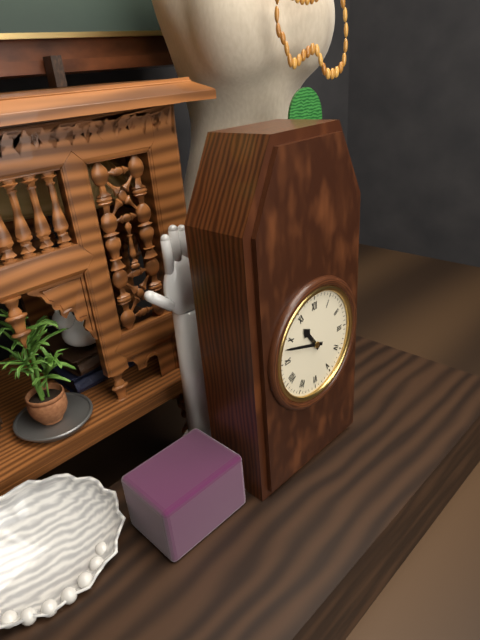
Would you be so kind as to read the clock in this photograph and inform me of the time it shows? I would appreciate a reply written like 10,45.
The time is 10,48
